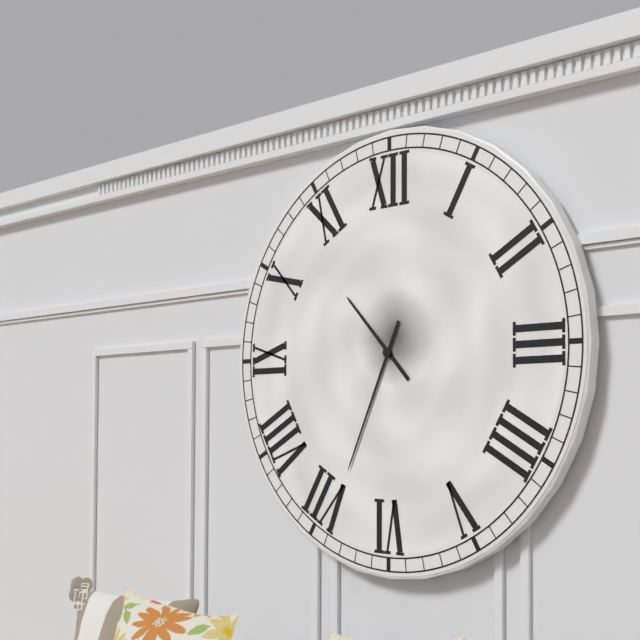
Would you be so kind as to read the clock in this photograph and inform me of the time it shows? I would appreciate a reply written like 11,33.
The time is 10,34
